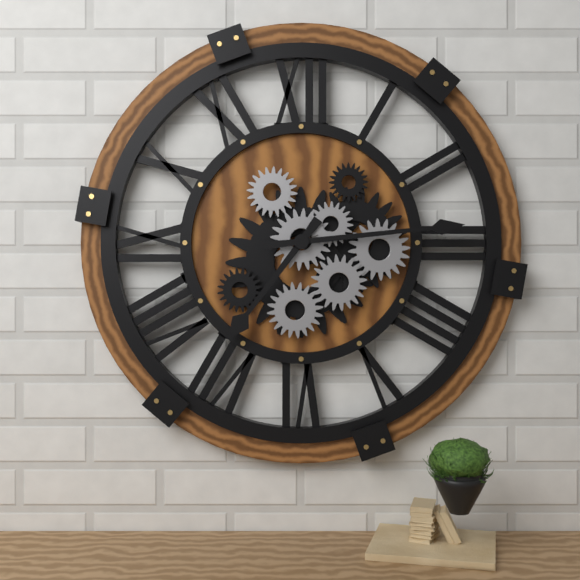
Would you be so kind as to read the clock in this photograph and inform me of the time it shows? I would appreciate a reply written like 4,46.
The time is 7,14
